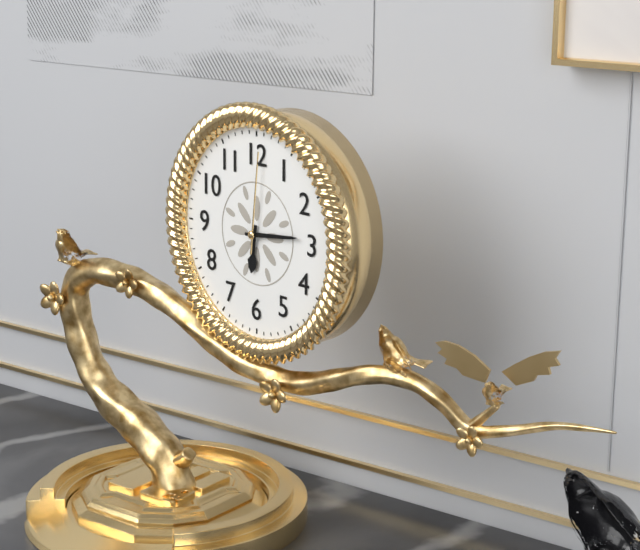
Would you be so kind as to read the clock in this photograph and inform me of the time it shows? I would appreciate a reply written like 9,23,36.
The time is 6,14,01
